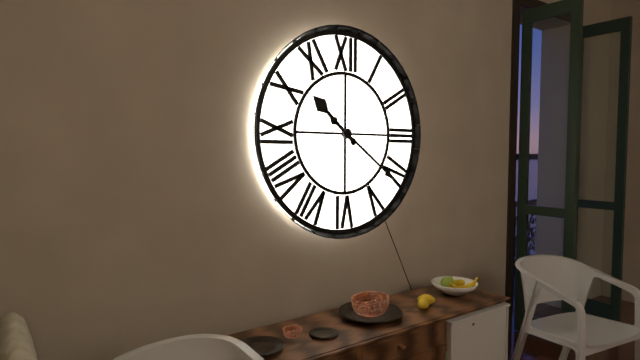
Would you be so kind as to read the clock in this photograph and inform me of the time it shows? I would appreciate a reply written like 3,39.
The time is 10,21
